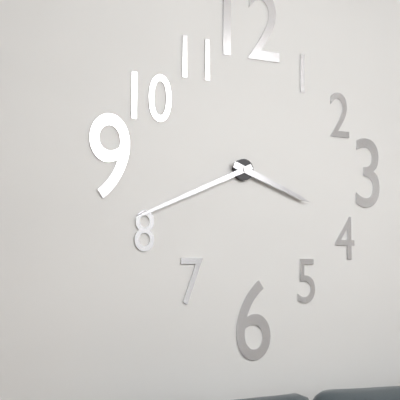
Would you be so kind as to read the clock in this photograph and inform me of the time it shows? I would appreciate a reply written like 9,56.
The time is 3,41
